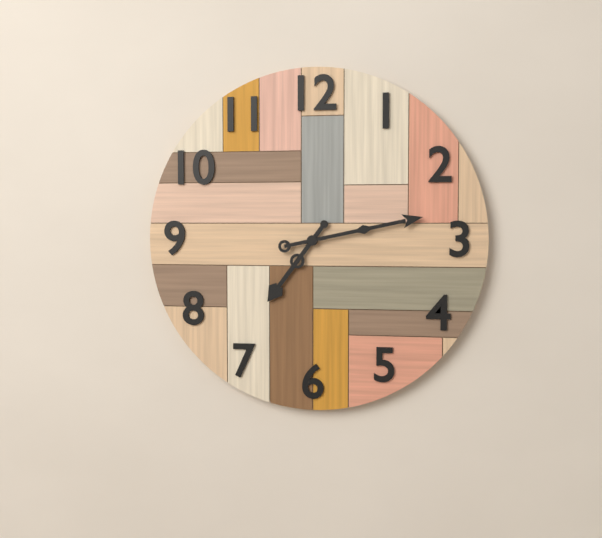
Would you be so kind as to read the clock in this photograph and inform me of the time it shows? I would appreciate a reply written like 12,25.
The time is 7,13
